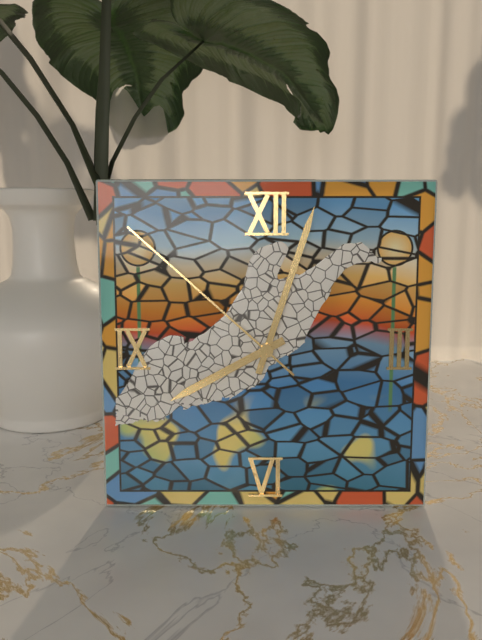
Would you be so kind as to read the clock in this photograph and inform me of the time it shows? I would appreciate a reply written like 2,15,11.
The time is 8,03,52
